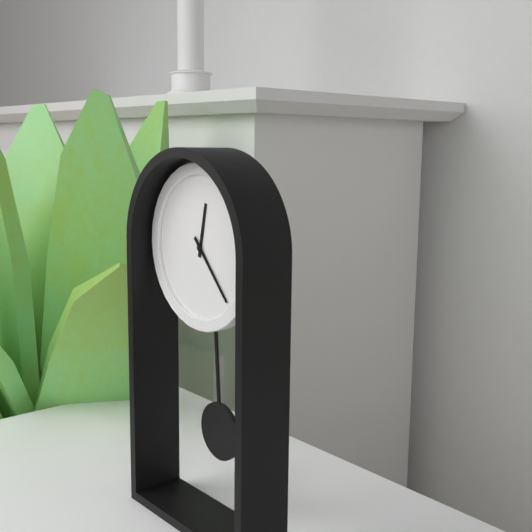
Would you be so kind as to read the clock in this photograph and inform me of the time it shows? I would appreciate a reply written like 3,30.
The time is 12,23
